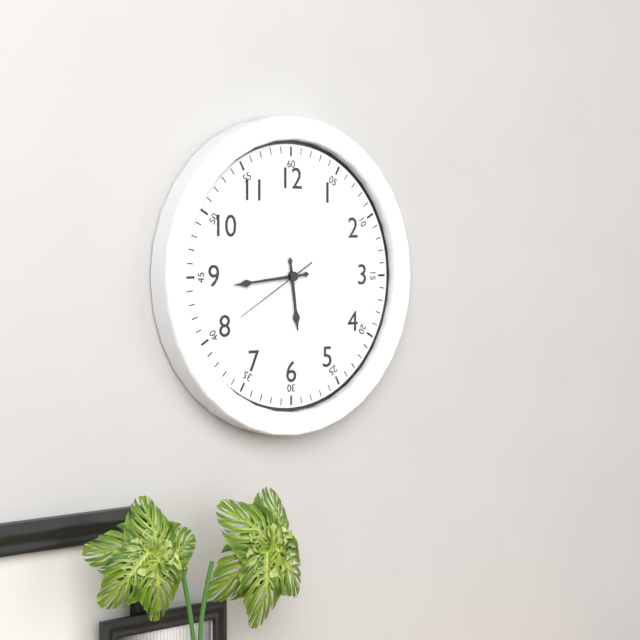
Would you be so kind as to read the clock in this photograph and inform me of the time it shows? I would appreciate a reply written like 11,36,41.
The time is 5,44,40
